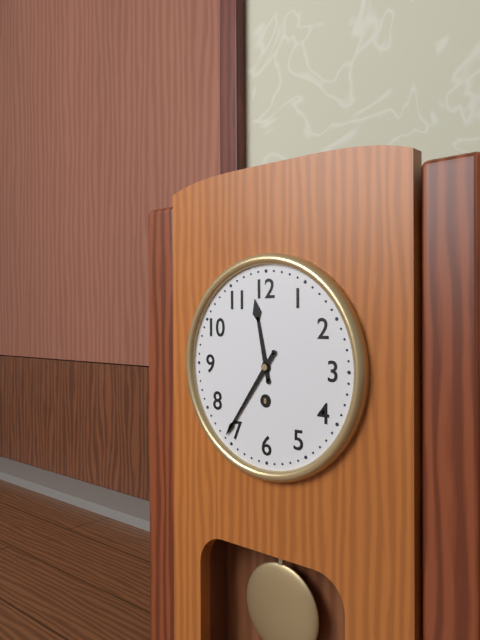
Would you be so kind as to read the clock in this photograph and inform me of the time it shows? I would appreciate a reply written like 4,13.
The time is 11,36
